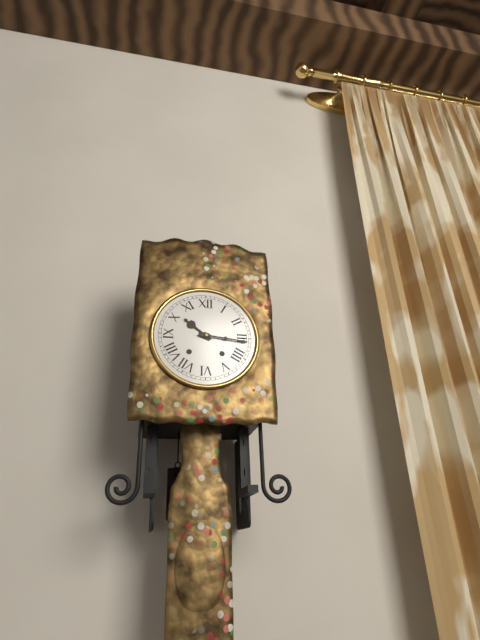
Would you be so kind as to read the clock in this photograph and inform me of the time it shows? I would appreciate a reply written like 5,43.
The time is 10,16
